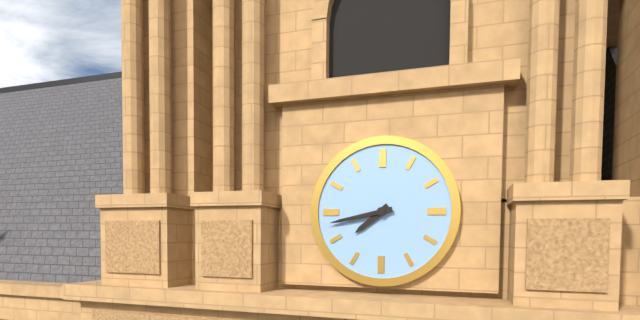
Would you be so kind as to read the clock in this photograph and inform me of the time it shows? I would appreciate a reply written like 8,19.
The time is 7,43
